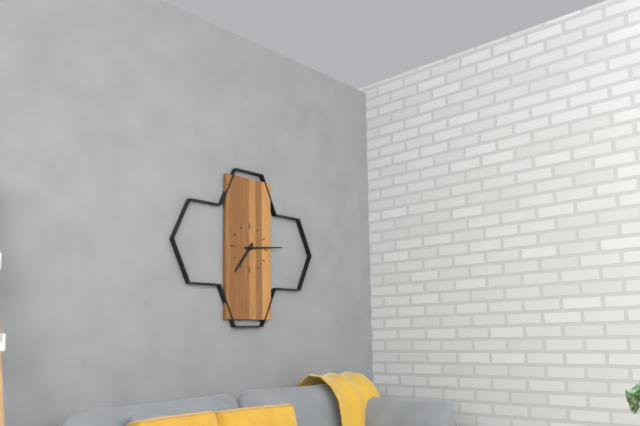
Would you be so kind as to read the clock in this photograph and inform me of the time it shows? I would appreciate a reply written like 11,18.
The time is 7,14
